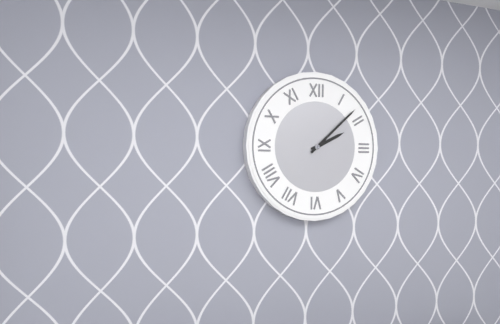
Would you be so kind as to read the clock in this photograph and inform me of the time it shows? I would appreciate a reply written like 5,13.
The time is 2,08
